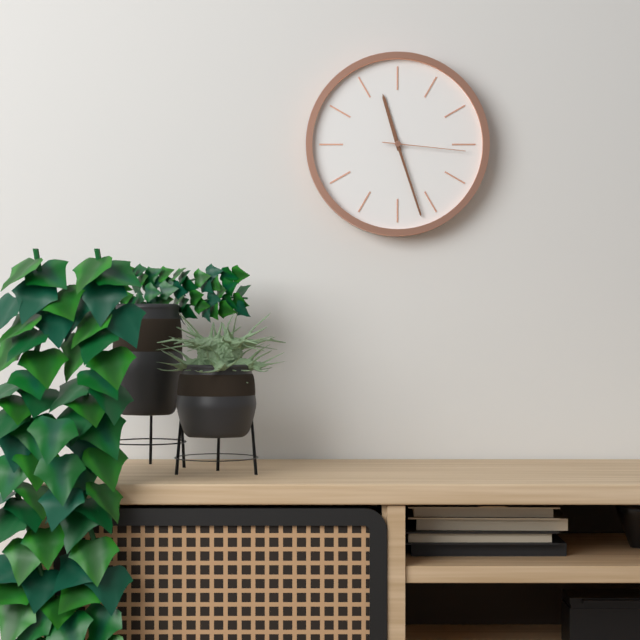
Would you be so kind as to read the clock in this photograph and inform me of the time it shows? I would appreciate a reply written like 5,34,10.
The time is 11,27,16
